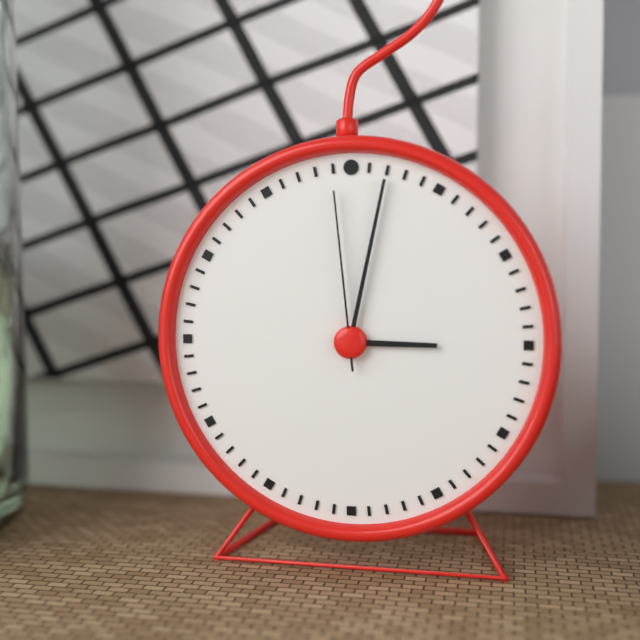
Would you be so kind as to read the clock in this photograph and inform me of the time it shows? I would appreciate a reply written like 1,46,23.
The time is 3,02,59
